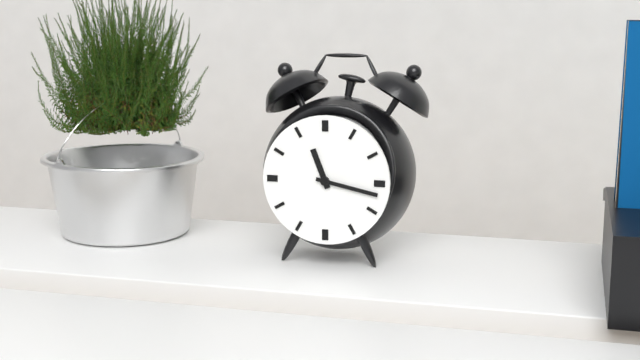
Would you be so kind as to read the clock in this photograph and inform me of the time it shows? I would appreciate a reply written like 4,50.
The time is 11,17
